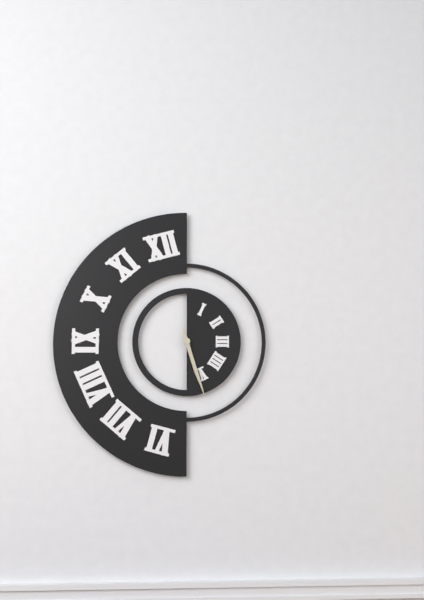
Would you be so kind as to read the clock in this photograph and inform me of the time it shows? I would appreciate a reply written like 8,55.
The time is 5,27
